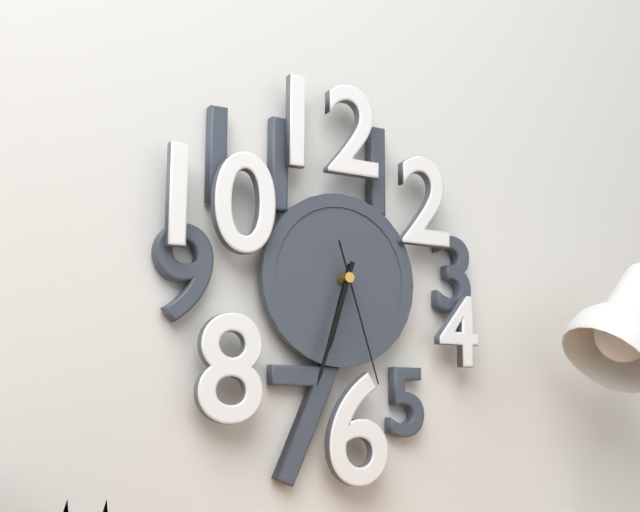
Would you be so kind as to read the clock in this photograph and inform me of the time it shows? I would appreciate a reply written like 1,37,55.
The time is 6,33,27
